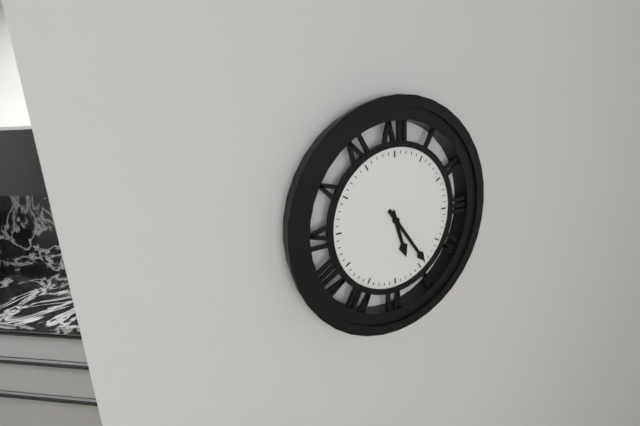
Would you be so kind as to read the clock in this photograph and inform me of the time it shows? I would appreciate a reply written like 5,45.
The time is 5,24
